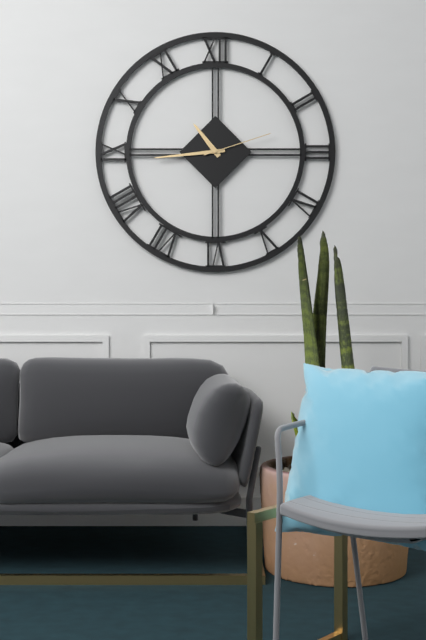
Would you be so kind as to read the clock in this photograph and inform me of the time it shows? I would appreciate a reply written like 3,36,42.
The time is 10,44,12
